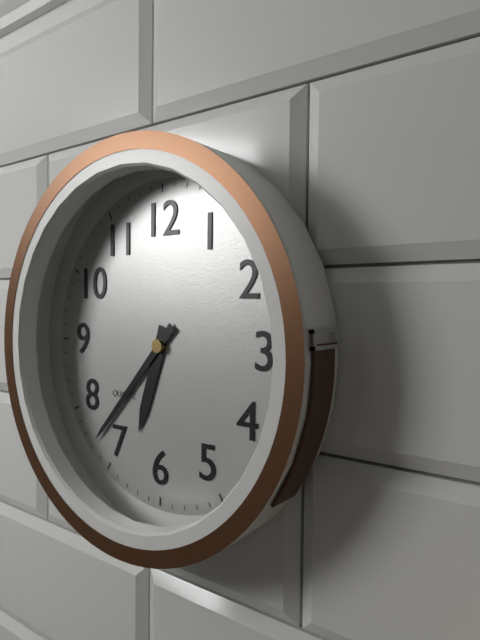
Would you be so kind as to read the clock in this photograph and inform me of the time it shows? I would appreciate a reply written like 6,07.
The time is 6,37
